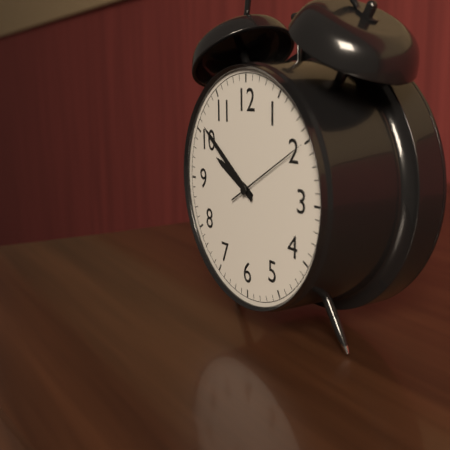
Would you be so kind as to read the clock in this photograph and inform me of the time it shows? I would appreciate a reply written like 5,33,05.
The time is 9,51,10
